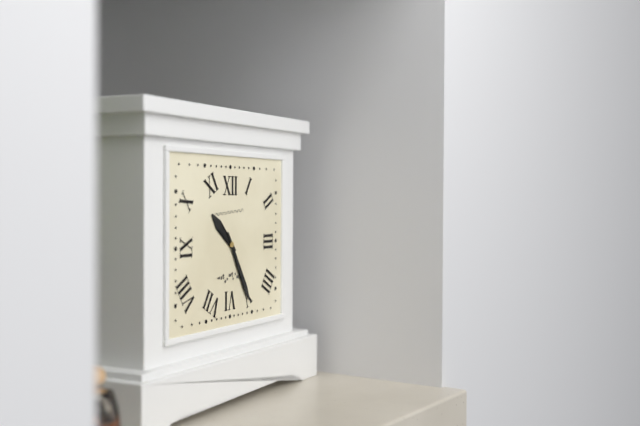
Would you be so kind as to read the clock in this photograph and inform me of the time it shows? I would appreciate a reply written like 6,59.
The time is 10,25
